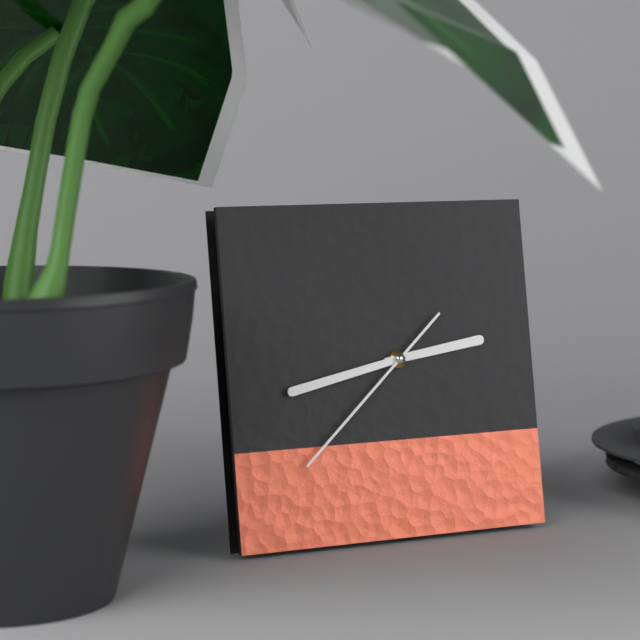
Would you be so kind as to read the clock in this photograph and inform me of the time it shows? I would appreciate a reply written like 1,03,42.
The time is 2,43,38
